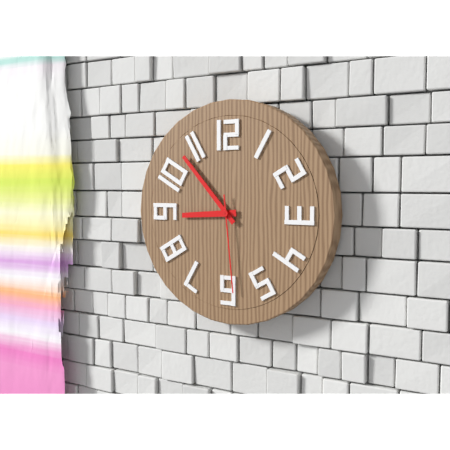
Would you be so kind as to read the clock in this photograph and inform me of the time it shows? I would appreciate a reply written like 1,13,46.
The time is 8,53,29
